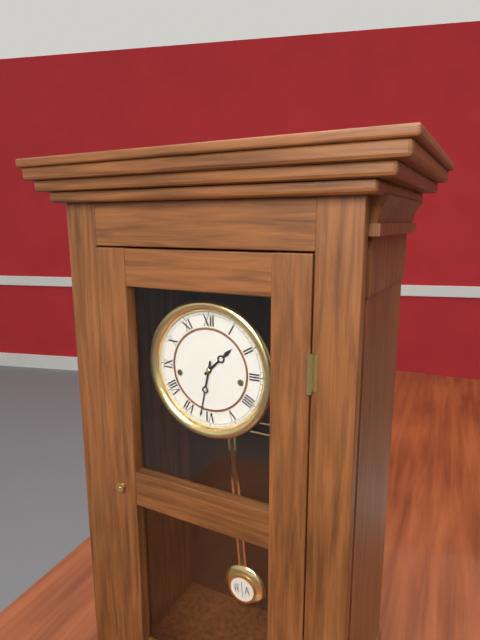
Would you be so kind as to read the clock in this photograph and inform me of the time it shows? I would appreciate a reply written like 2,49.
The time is 1,32
